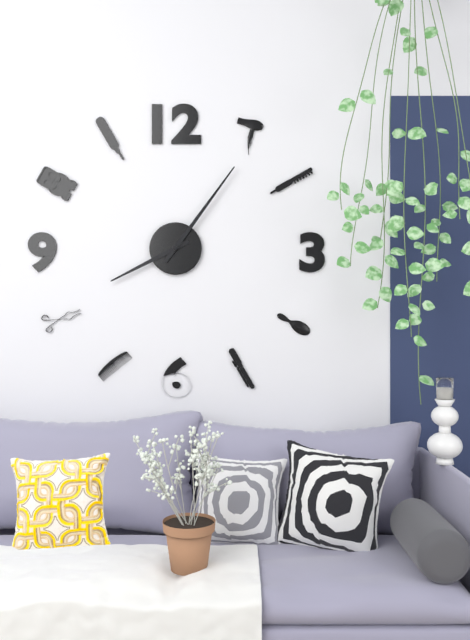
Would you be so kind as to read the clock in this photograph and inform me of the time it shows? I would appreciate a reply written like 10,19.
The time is 8,06
